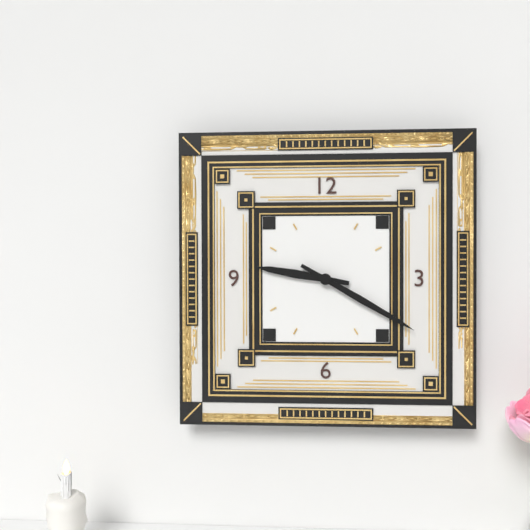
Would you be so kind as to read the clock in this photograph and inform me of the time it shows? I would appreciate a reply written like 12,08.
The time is 9,20
